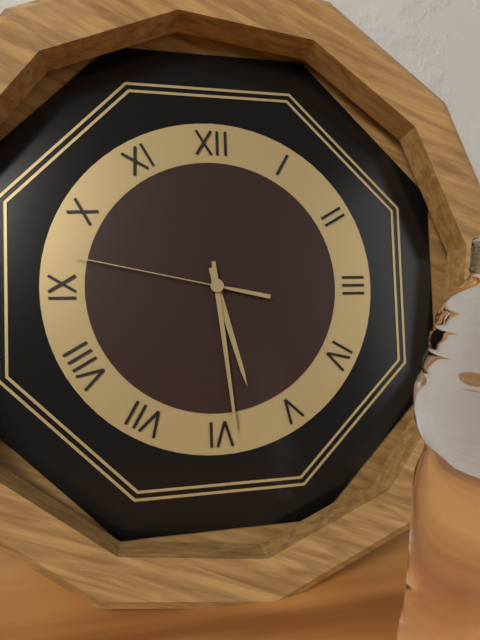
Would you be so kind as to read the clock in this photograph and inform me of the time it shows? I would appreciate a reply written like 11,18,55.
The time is 5,29,47
